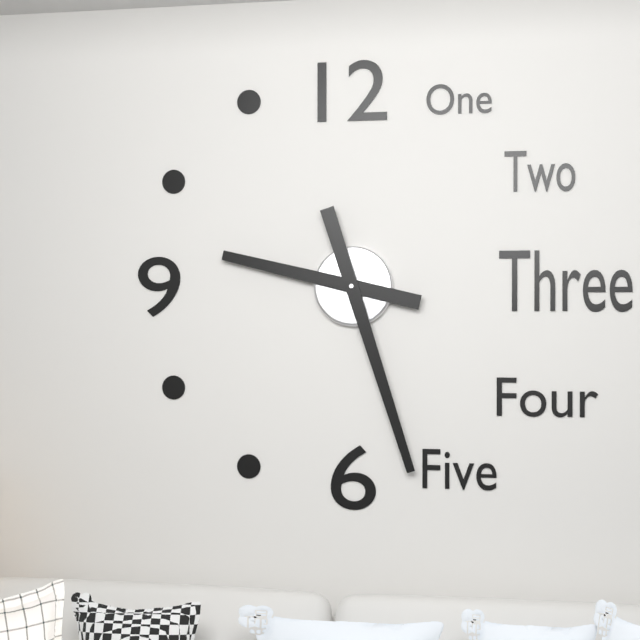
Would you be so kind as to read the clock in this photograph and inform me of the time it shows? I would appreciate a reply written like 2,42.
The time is 9,27
